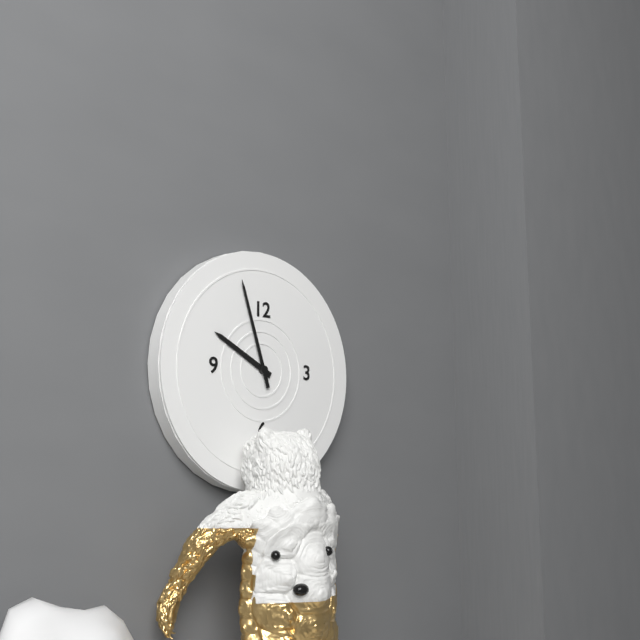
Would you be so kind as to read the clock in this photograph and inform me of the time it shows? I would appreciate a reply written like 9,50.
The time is 9,57
